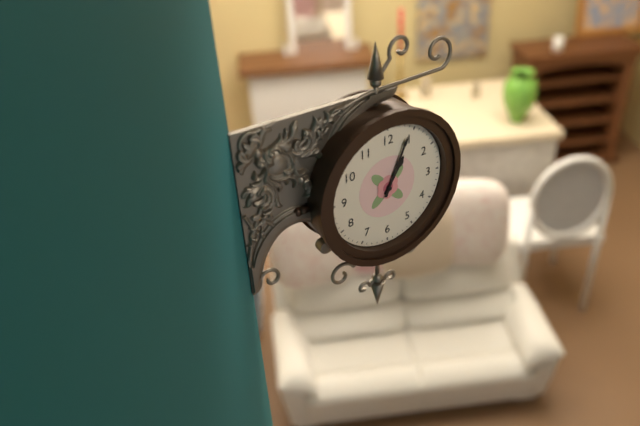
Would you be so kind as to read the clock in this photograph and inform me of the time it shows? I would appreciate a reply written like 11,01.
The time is 1,04
